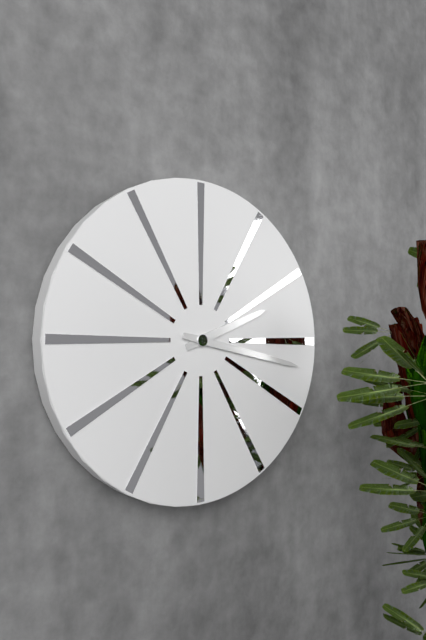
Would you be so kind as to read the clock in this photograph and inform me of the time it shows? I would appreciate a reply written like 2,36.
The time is 2,17
